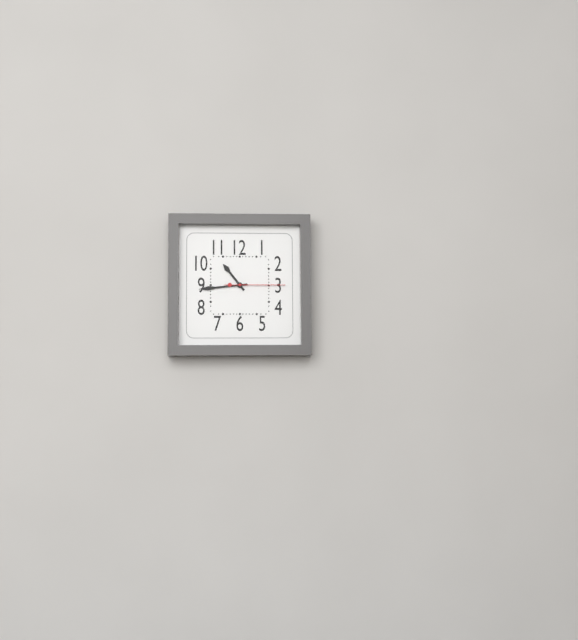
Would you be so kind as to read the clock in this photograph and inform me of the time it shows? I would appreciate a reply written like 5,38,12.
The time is 10,44,15
